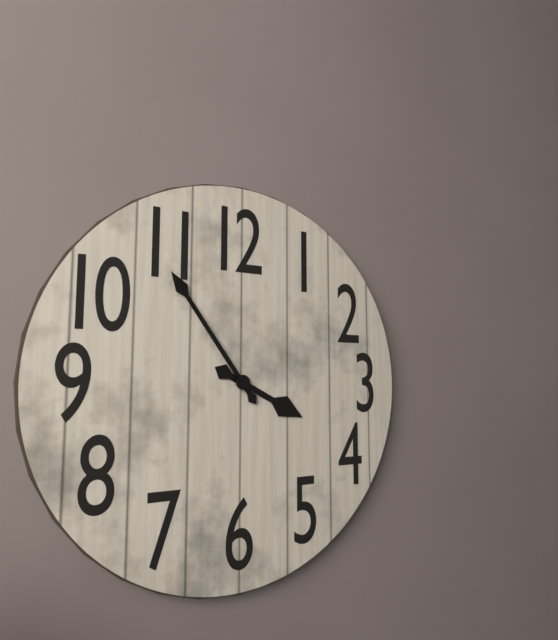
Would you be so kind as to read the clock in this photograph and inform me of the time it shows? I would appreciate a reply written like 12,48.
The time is 3,54
